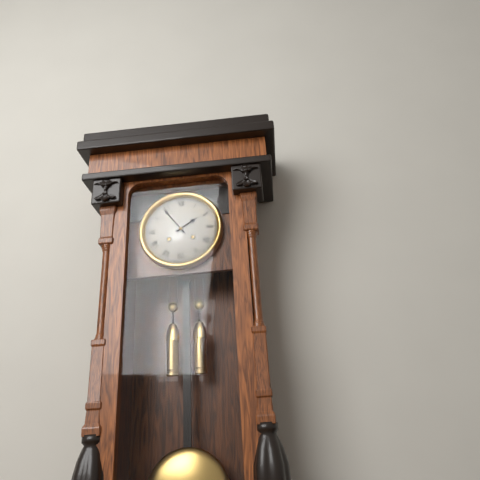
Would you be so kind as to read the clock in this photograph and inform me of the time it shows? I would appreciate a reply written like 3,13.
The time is 1,54
